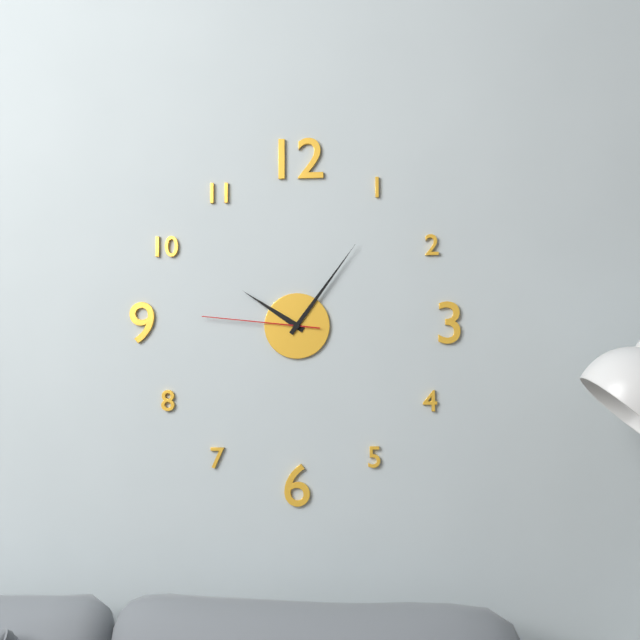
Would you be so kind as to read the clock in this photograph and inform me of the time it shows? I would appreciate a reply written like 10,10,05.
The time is 10,06,46
